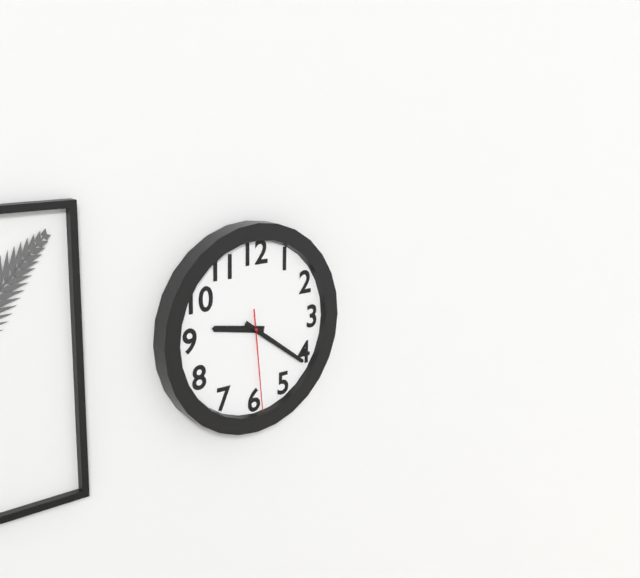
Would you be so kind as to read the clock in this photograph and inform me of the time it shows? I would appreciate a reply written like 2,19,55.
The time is 9,21,29
